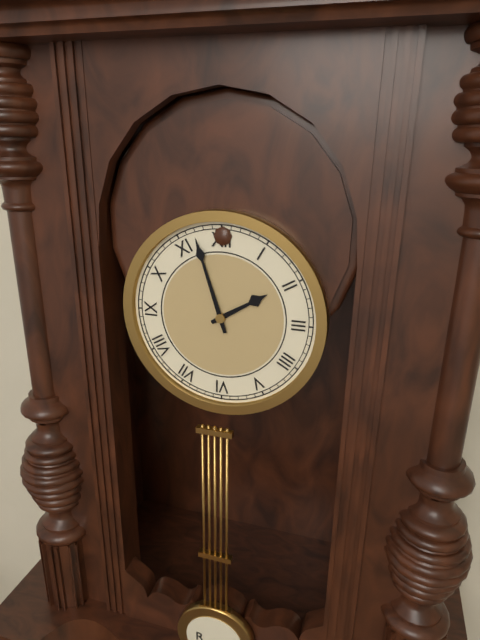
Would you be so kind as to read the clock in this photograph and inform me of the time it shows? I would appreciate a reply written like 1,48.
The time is 1,57
